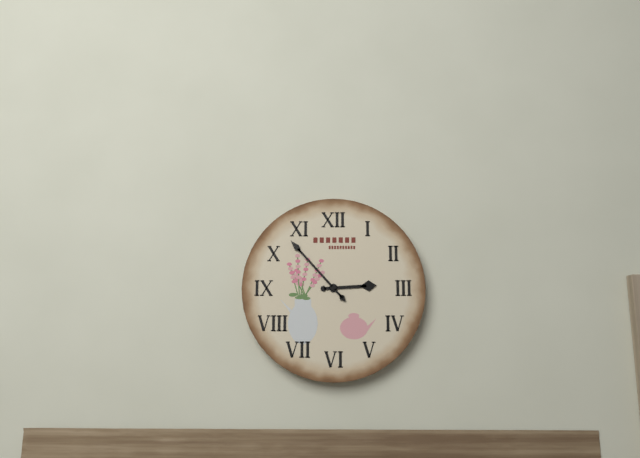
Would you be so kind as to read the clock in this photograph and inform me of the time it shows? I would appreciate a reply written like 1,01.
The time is 2,53
